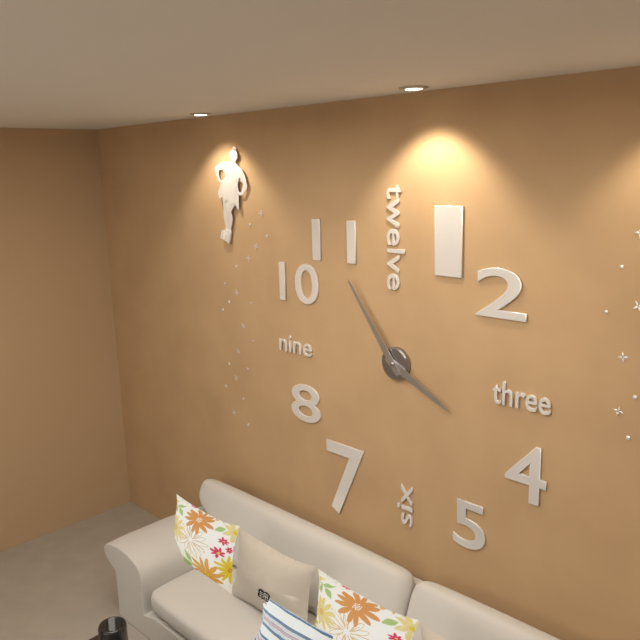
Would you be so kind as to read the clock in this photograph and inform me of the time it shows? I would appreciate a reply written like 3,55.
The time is 3,54
